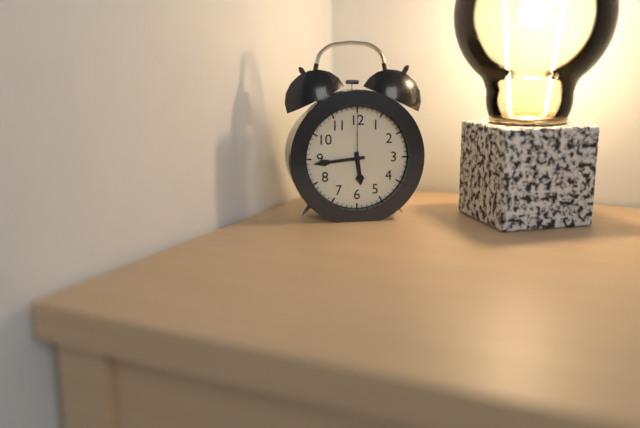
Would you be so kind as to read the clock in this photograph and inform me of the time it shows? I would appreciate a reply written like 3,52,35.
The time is 5,44,00
